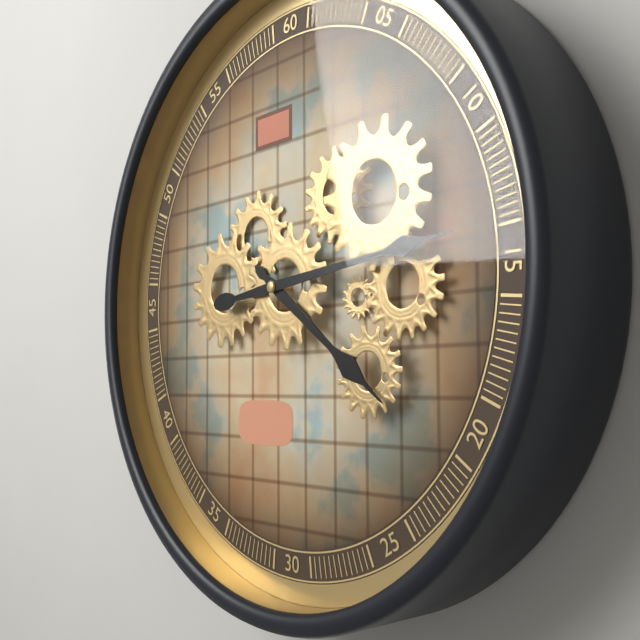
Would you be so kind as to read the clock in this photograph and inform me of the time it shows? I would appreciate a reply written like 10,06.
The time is 4,14
